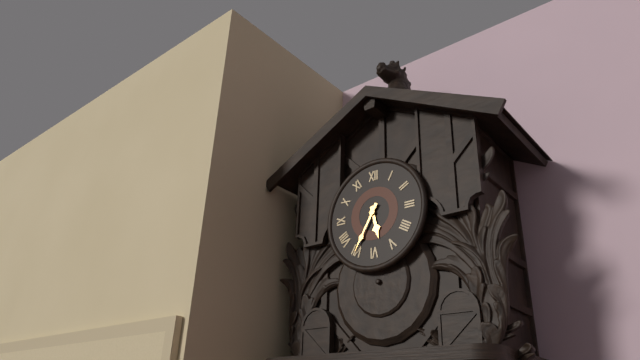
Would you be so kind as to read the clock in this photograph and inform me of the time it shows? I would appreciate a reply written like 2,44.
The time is 5,35
